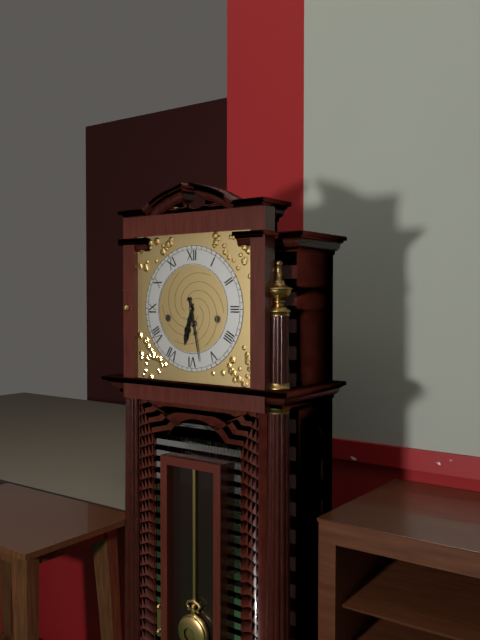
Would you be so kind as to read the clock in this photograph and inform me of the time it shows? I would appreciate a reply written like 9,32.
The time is 6,28
